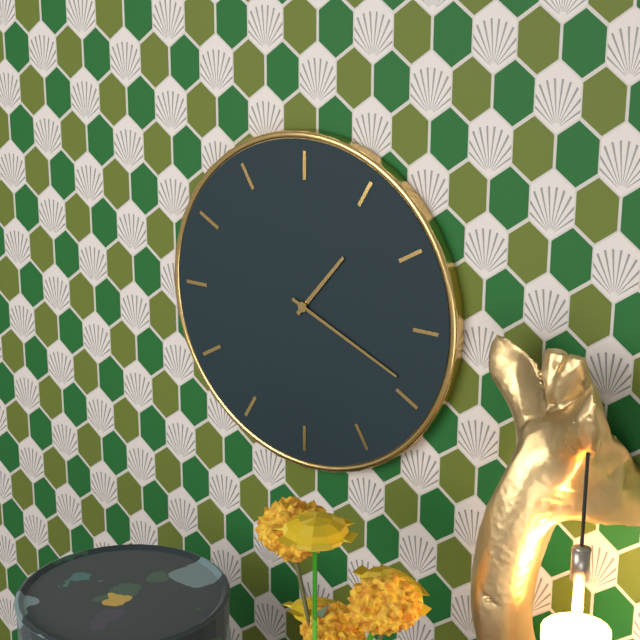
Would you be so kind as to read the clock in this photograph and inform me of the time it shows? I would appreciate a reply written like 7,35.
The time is 1,19
